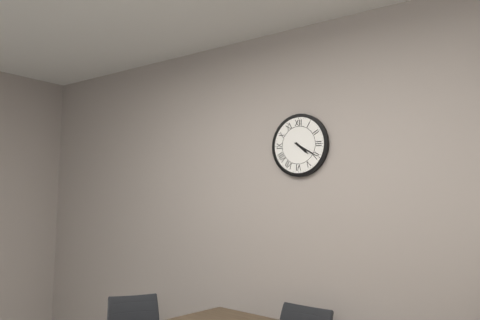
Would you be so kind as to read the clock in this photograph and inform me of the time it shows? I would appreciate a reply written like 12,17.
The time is 4,20
